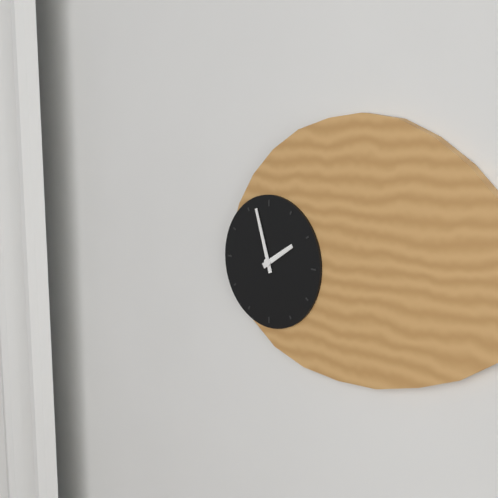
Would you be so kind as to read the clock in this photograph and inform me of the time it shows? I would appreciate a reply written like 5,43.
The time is 1,57
